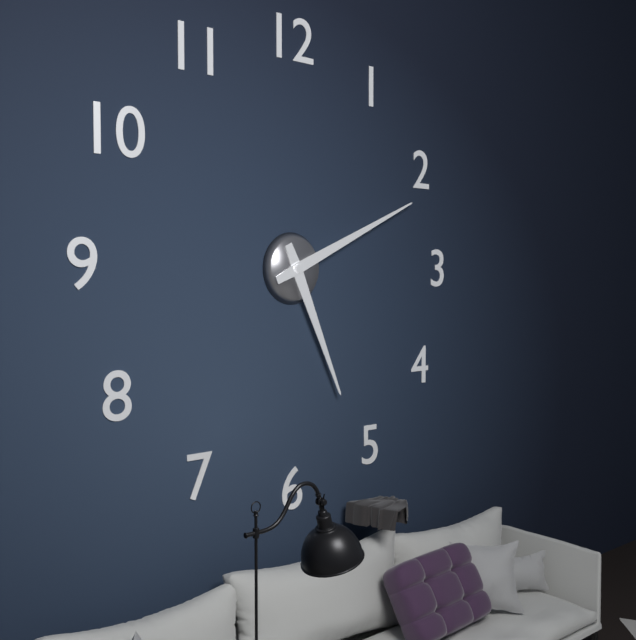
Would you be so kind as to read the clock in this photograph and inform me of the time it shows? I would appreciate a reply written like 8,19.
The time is 5,11
